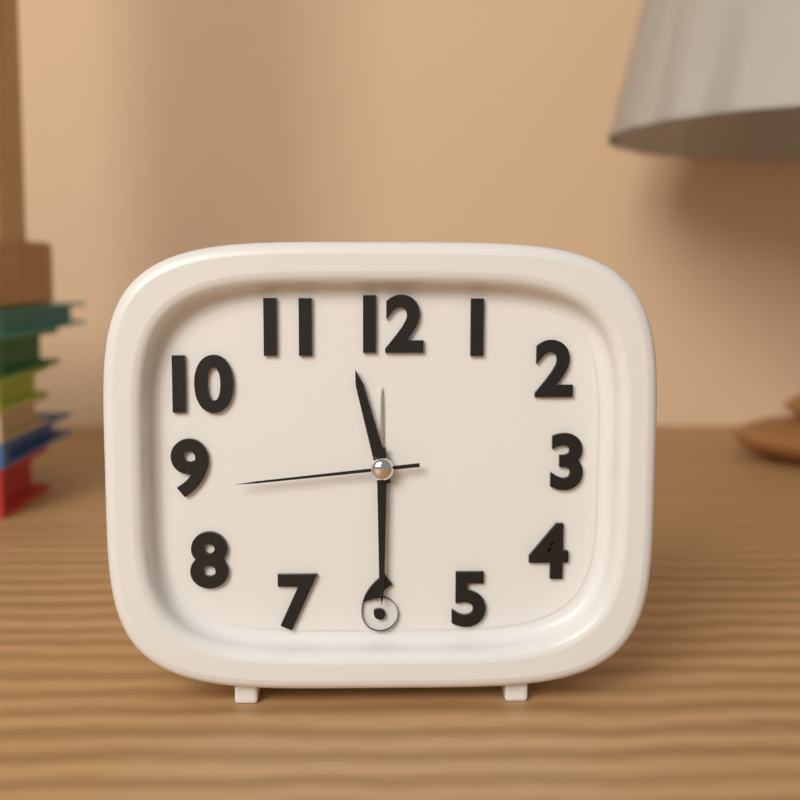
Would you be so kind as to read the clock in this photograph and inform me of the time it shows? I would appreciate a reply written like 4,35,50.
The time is 11,30,44
